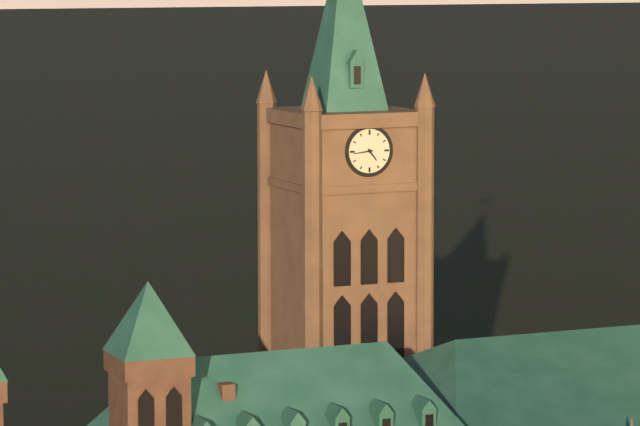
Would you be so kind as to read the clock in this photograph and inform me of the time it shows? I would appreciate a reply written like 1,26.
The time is 4,44
